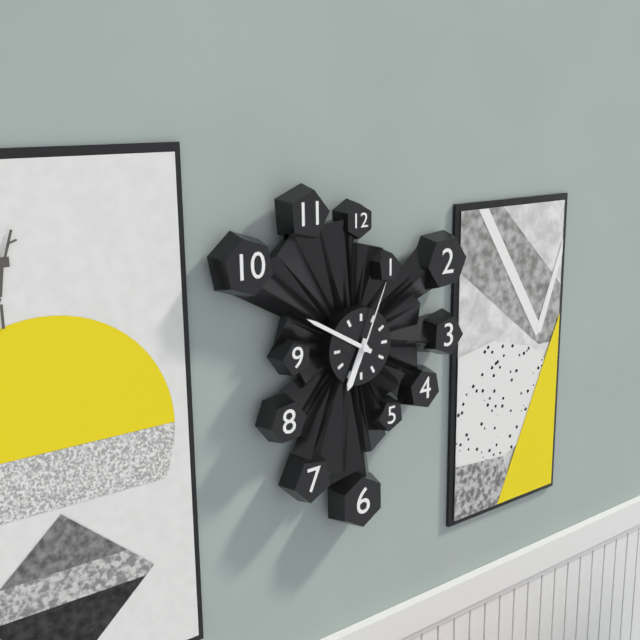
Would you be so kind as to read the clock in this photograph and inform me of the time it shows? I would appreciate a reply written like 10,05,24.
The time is 6,50,04
